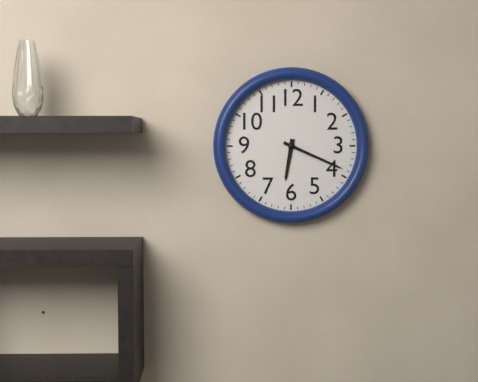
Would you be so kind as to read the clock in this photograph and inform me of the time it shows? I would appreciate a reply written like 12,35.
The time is 6,19
